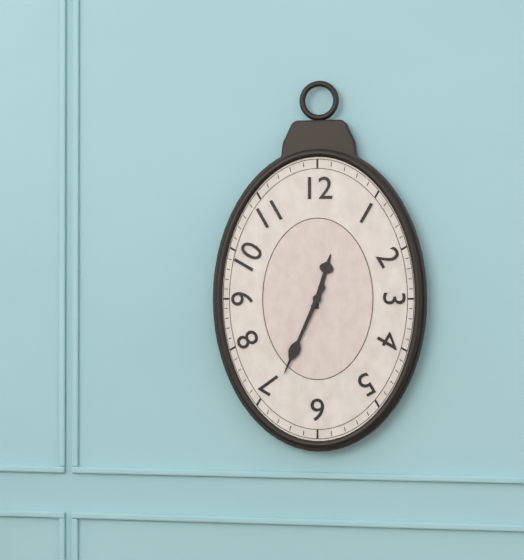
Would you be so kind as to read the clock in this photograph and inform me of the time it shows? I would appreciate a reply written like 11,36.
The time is 12,34
